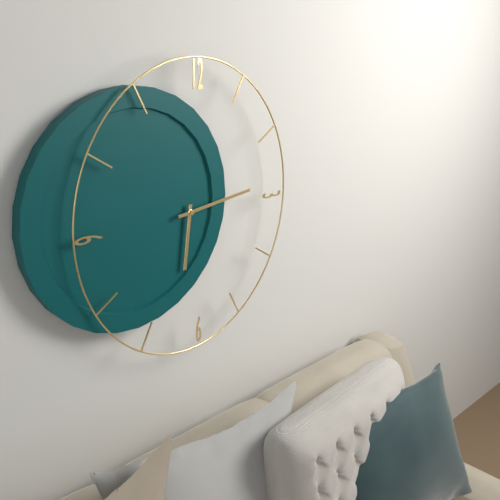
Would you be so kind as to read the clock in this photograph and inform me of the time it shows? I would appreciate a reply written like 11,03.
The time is 6,14
